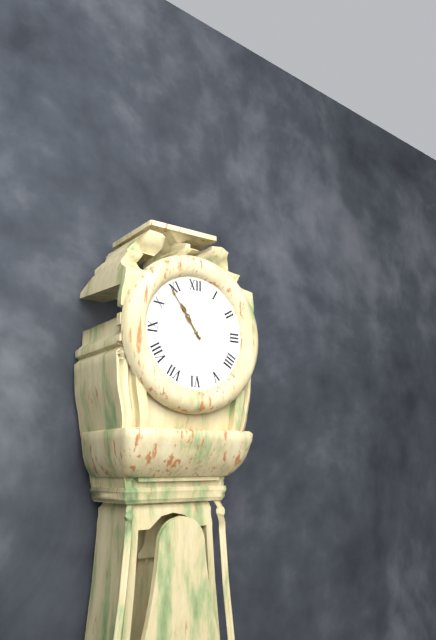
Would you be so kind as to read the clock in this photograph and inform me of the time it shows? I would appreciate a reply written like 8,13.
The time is 10,54
